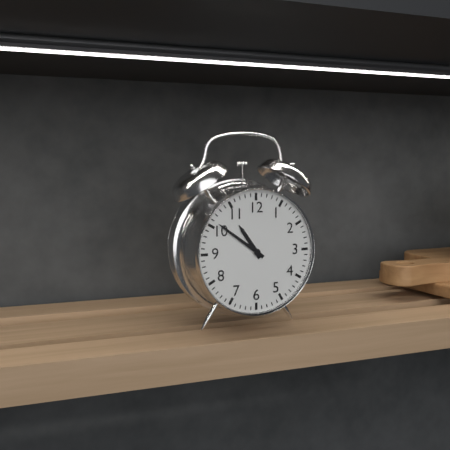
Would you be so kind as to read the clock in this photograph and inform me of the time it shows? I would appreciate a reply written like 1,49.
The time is 10,51
